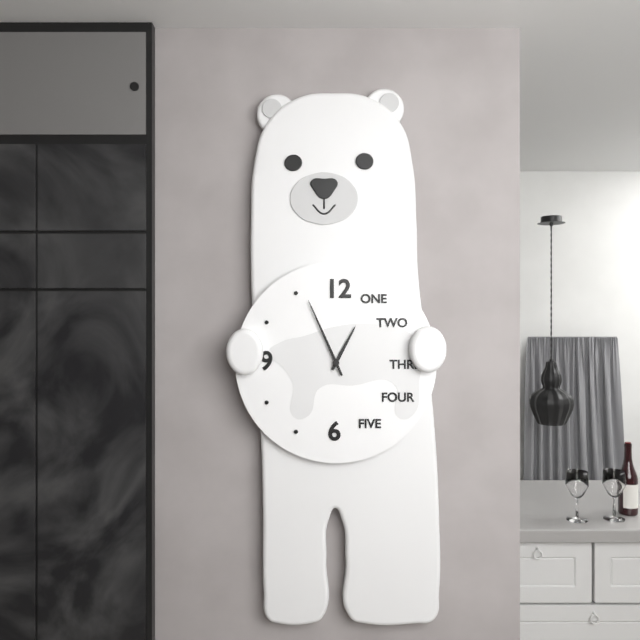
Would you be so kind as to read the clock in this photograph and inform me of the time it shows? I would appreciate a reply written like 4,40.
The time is 12,56
